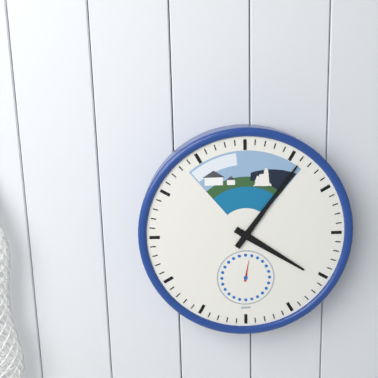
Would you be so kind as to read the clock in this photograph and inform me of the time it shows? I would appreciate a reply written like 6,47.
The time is 4,06
